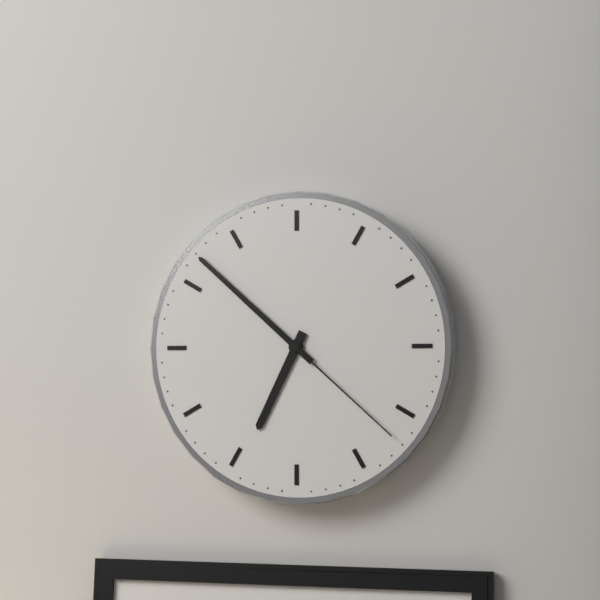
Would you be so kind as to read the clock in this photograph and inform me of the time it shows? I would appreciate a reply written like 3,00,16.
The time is 6,52,22
